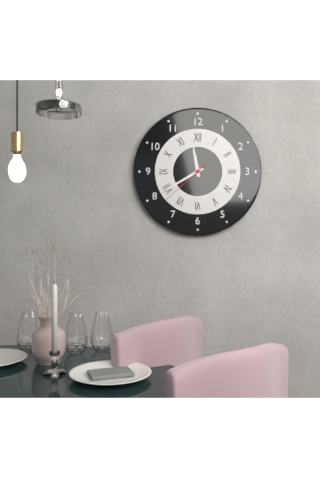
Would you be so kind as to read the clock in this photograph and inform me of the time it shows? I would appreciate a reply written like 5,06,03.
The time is 11,40,38
